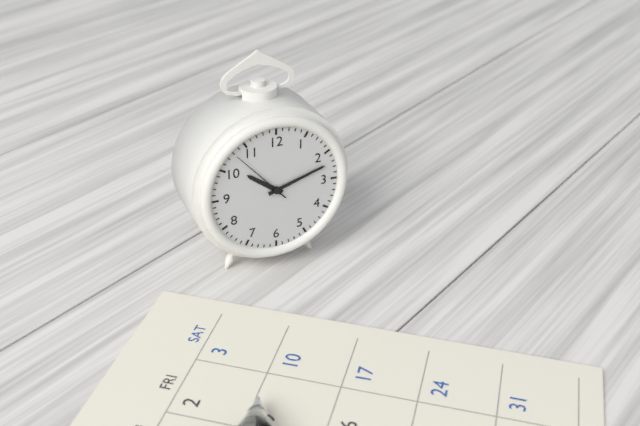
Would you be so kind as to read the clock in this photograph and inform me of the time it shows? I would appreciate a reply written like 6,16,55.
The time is 10,12,53
